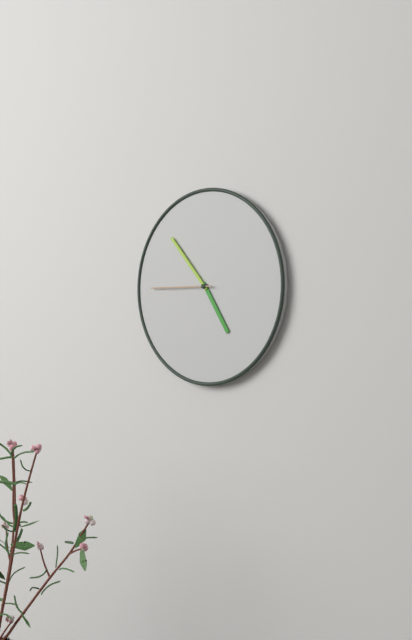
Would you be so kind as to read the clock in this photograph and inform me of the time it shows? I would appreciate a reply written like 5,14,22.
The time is 4,53,45
